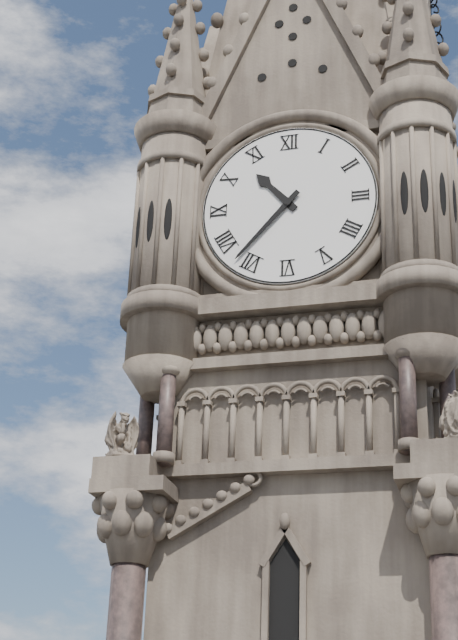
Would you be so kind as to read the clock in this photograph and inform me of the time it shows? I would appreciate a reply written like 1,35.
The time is 10,37
